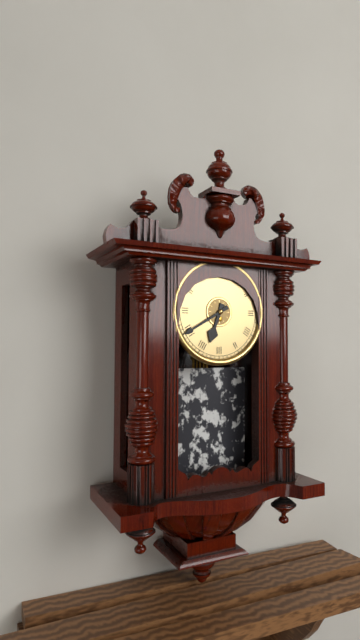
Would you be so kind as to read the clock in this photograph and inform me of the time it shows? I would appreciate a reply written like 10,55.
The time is 6,40
